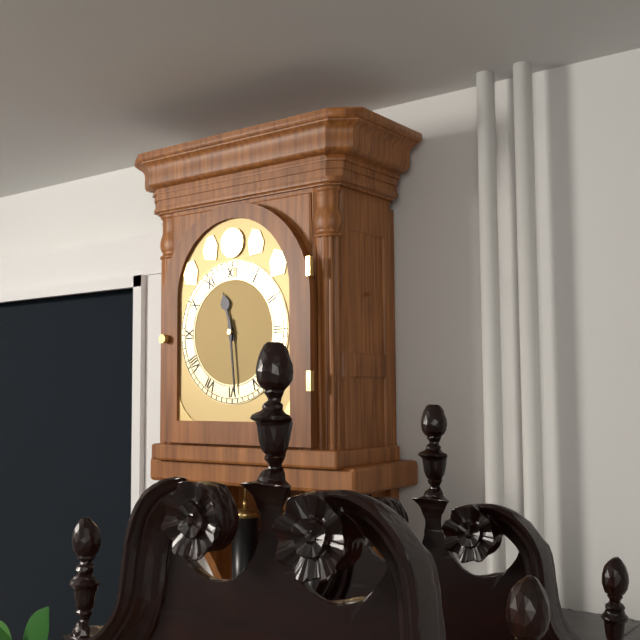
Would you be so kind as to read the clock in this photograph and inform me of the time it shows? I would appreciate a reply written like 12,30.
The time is 11,29
